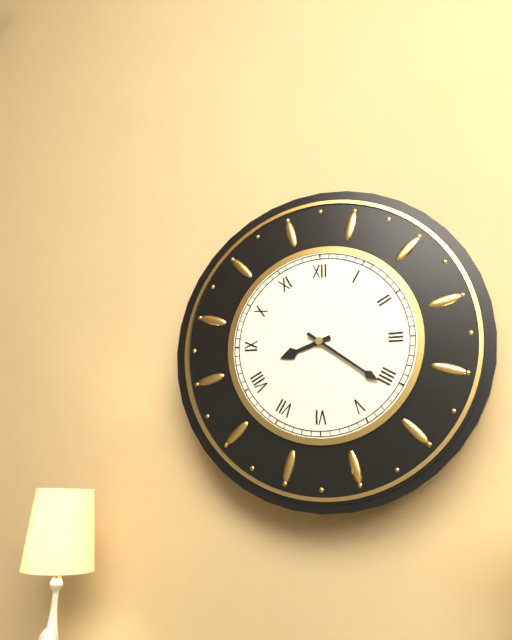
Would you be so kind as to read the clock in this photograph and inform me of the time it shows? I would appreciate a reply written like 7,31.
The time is 8,21
